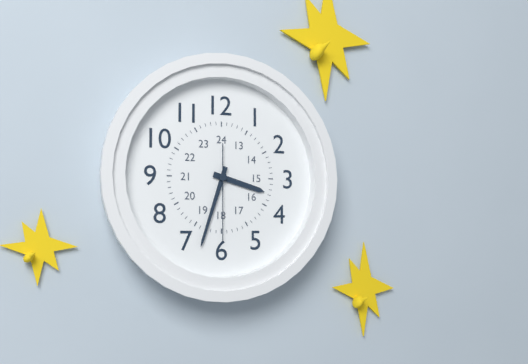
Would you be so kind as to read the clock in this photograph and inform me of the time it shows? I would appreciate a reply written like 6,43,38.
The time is 3,33,30
